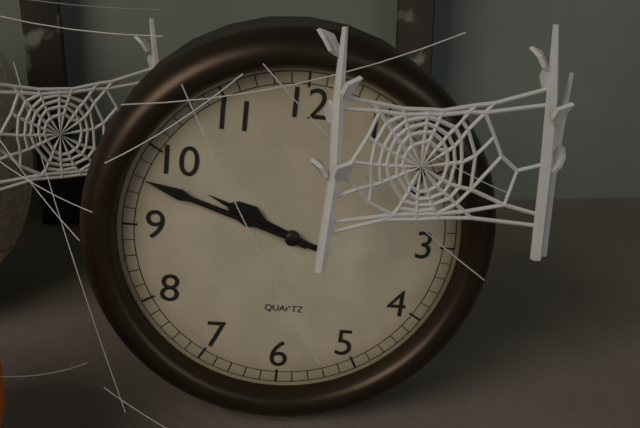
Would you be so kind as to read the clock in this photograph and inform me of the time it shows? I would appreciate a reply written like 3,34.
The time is 9,48
